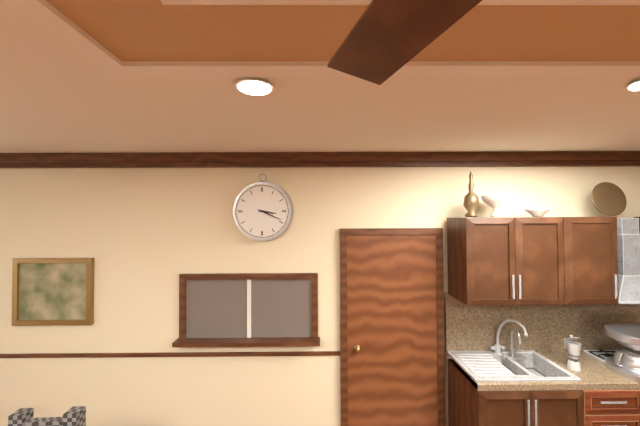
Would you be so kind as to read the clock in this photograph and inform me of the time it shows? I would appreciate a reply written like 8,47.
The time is 3,19
